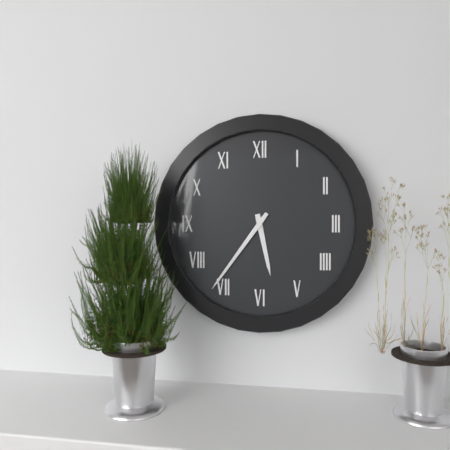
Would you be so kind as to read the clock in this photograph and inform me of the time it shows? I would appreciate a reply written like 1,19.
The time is 5,36
